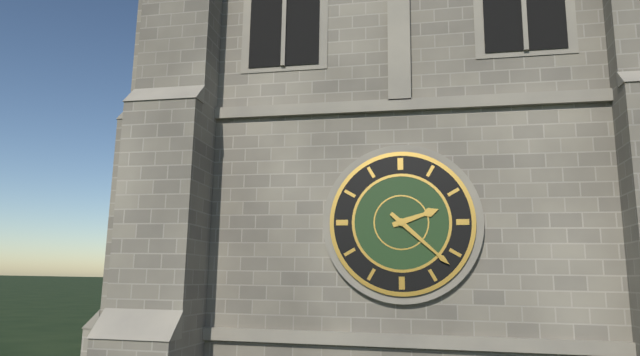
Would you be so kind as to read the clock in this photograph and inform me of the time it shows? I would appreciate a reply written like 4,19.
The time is 2,22
